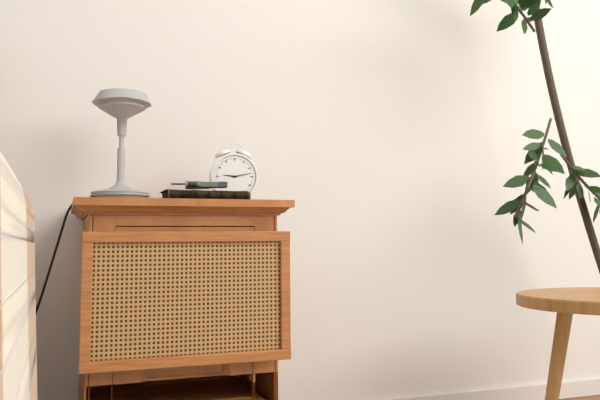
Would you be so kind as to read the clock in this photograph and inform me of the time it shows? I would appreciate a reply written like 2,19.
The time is 9,13
